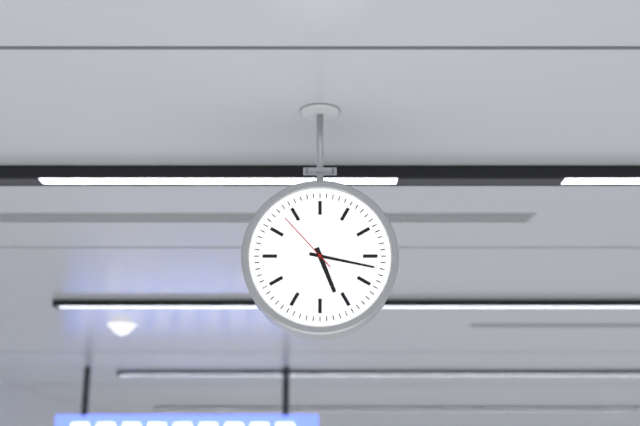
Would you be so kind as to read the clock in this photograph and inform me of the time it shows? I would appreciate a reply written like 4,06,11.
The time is 5,17,53
